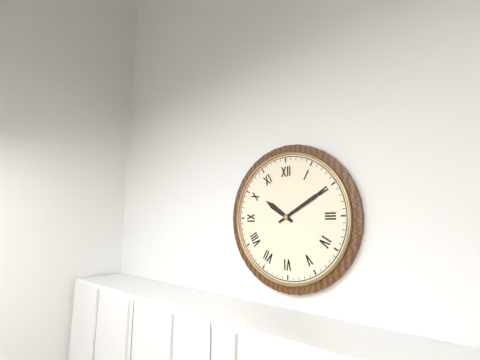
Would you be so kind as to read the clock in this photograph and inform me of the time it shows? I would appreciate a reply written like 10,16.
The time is 10,10
